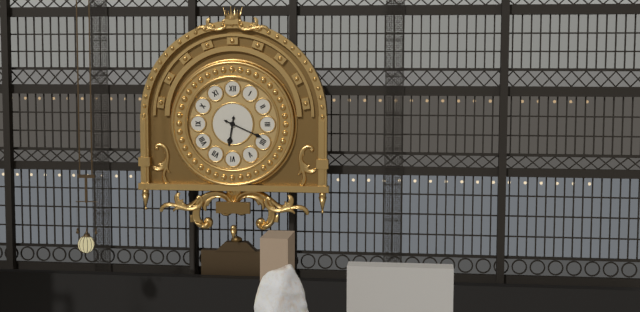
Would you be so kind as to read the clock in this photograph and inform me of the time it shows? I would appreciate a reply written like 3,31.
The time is 6,19
